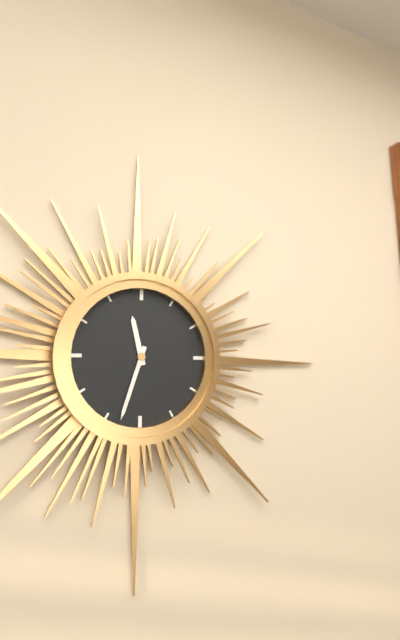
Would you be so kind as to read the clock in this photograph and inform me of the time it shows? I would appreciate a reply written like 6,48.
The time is 11,33
